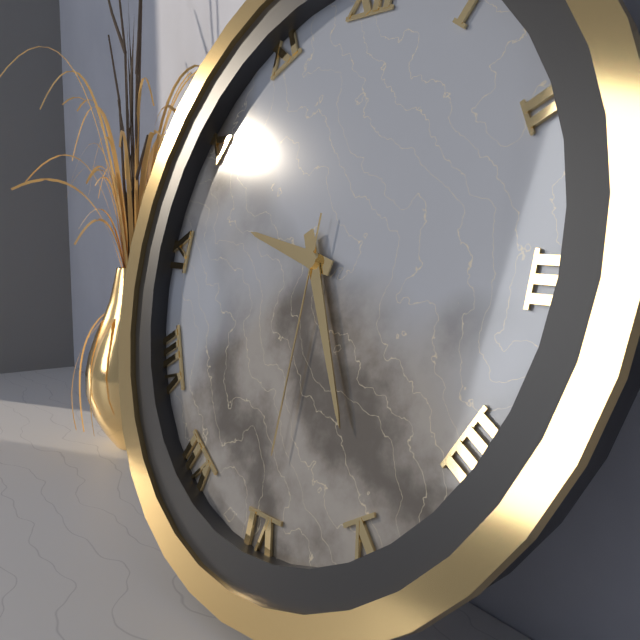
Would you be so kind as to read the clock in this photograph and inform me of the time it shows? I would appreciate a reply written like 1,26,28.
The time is 9,25,30
